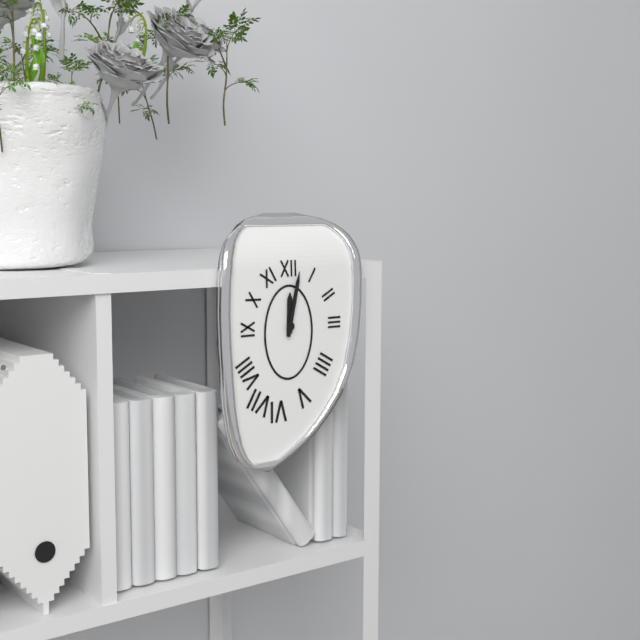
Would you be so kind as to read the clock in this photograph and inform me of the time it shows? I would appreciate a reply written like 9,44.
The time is 12,02
